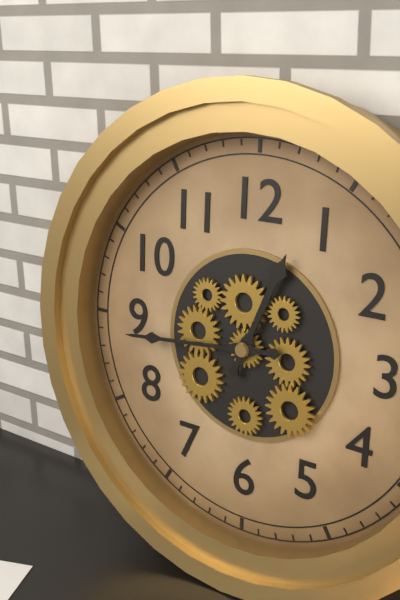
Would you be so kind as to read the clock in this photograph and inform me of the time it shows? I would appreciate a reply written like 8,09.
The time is 12,44
